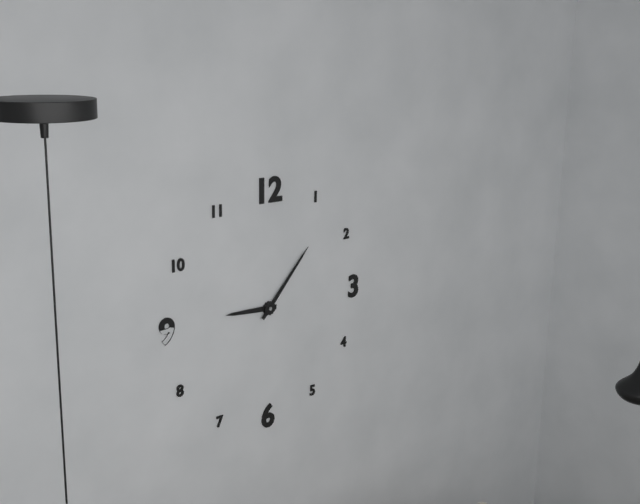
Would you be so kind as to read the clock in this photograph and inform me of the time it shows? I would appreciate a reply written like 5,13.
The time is 9,07
